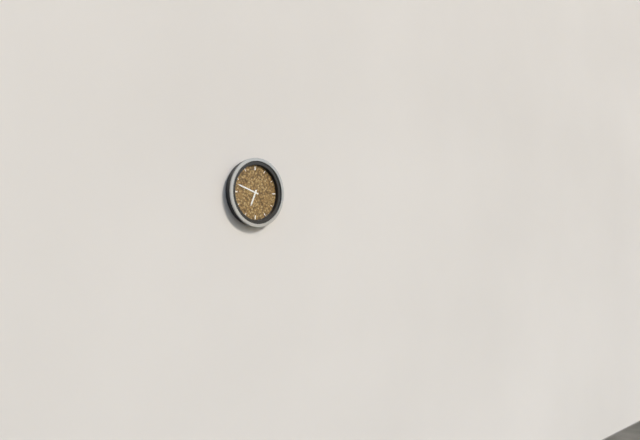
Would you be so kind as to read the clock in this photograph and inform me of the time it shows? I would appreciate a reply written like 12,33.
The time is 6,48
